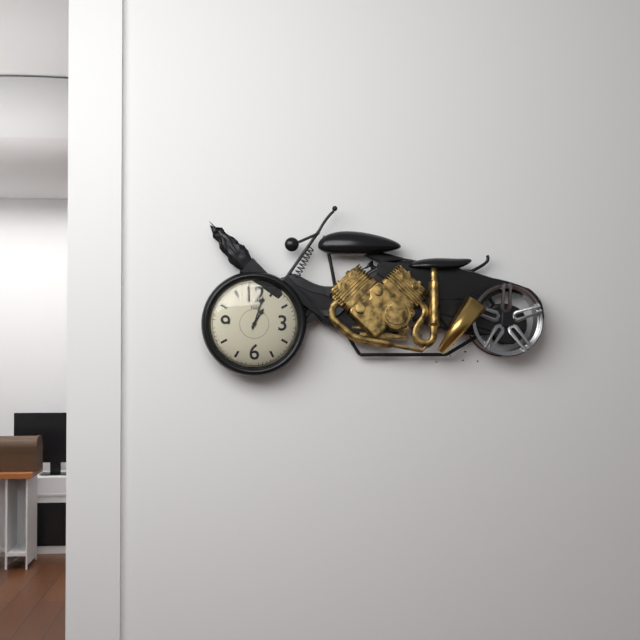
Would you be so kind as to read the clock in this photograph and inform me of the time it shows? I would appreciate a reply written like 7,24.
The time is 1,03
